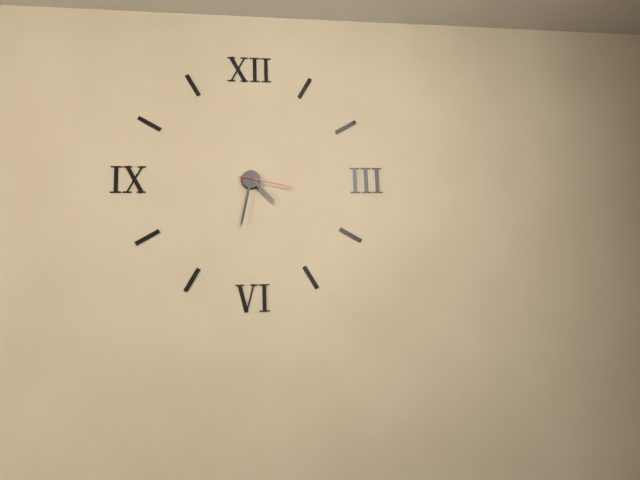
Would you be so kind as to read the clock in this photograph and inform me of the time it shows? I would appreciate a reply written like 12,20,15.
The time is 4,32,17
